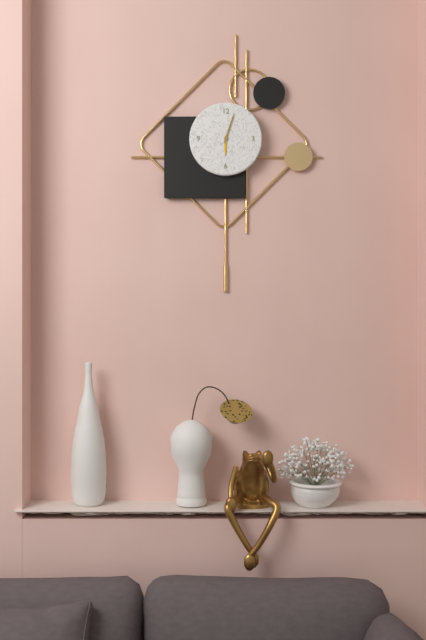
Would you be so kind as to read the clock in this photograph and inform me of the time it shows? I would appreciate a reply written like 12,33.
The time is 6,03
